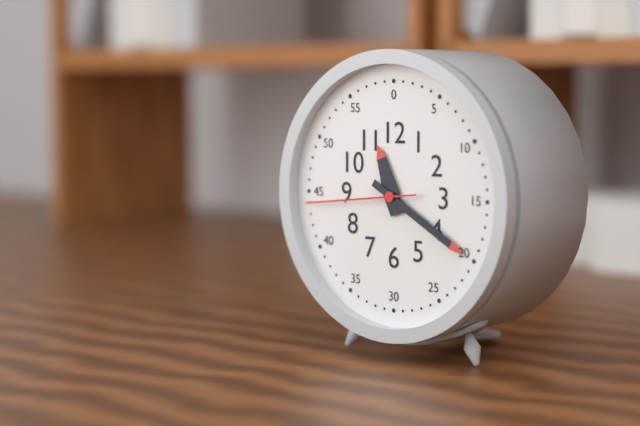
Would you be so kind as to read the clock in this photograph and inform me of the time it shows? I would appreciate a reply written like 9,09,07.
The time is 11,20,44
